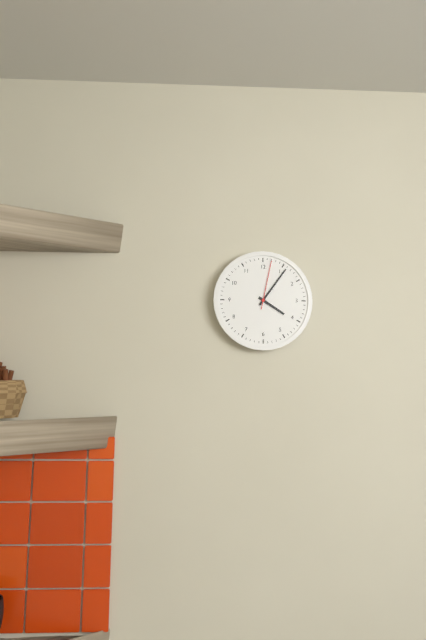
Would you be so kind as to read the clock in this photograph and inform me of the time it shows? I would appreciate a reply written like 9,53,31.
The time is 4,06,02
